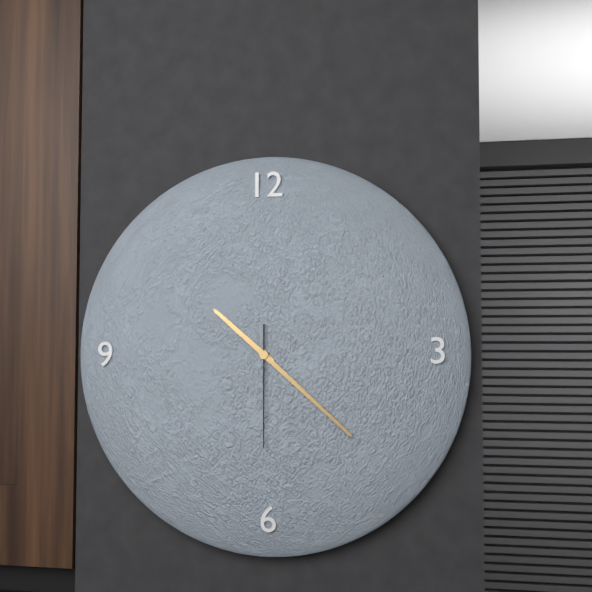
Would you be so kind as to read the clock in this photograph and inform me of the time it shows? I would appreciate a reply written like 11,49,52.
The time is 10,22,30
